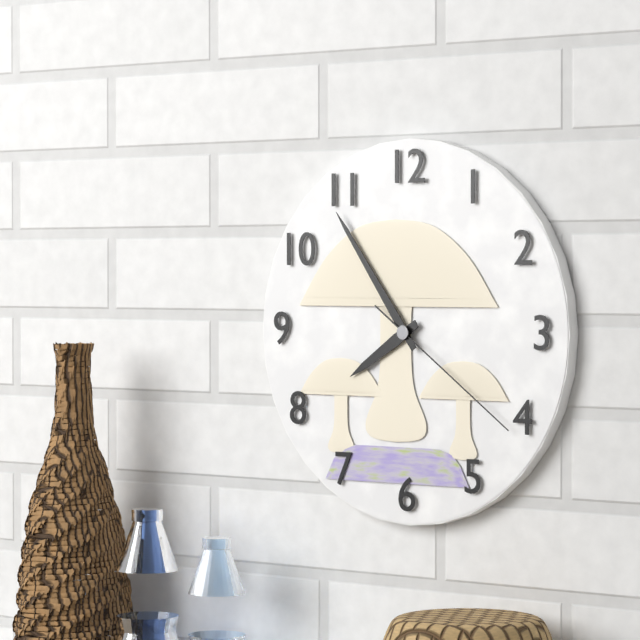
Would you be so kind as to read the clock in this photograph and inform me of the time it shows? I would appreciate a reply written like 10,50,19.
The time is 7,54,21
